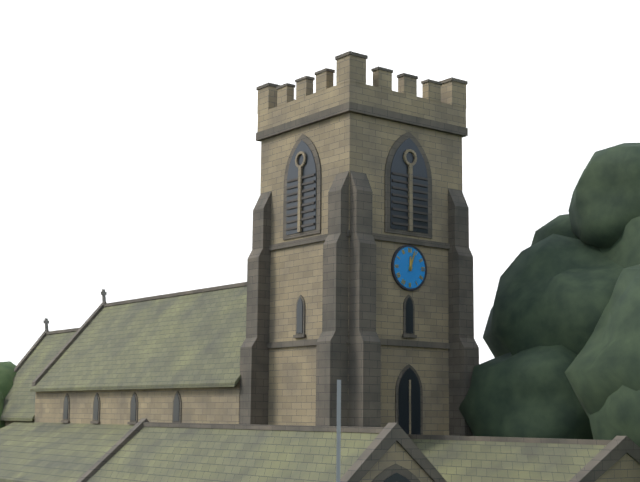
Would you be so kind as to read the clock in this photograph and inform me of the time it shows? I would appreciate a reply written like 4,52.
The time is 12,03
